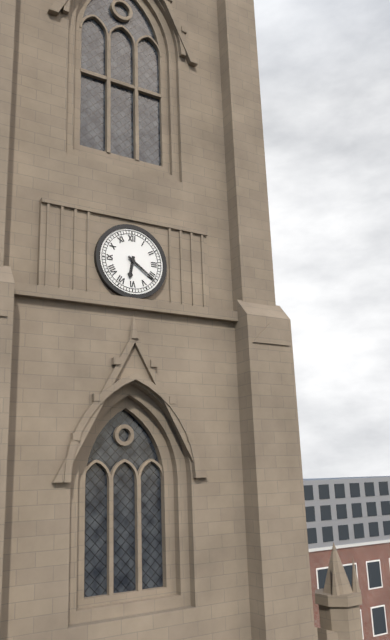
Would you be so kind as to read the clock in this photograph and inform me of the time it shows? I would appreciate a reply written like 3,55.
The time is 6,21
